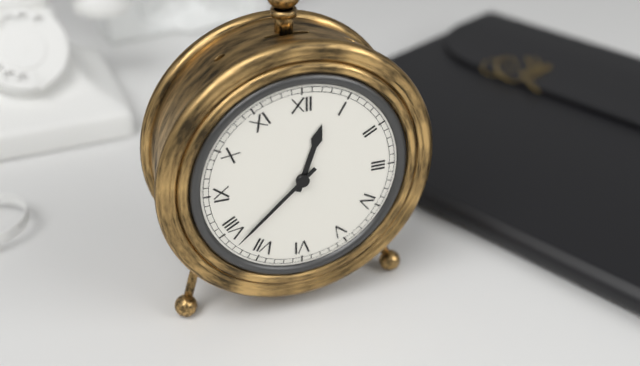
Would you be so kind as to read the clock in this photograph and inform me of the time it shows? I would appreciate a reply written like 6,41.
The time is 12,38
